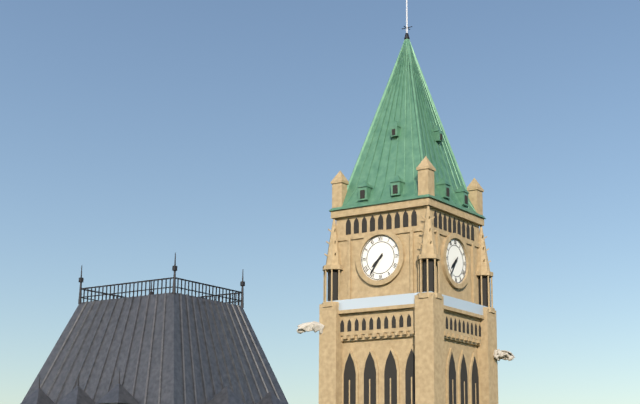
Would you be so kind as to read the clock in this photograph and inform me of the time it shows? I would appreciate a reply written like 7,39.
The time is 7,36
